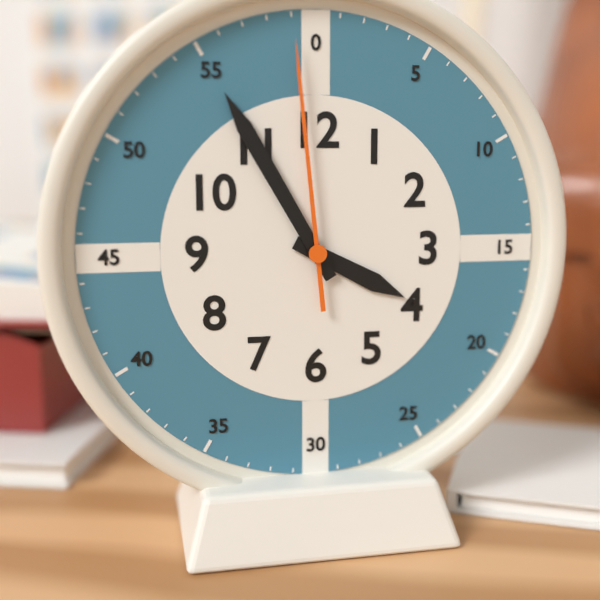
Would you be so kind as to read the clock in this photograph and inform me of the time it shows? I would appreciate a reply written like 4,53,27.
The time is 3,55,59
